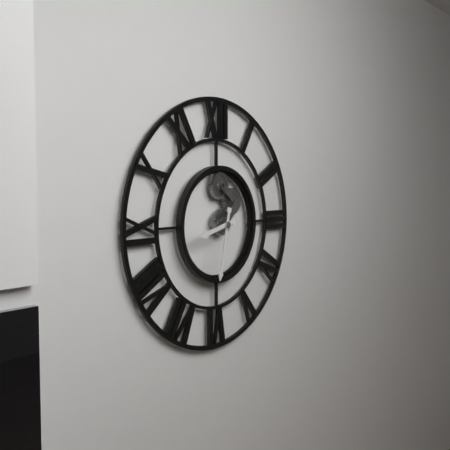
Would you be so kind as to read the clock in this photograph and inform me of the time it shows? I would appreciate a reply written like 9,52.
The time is 8,32
